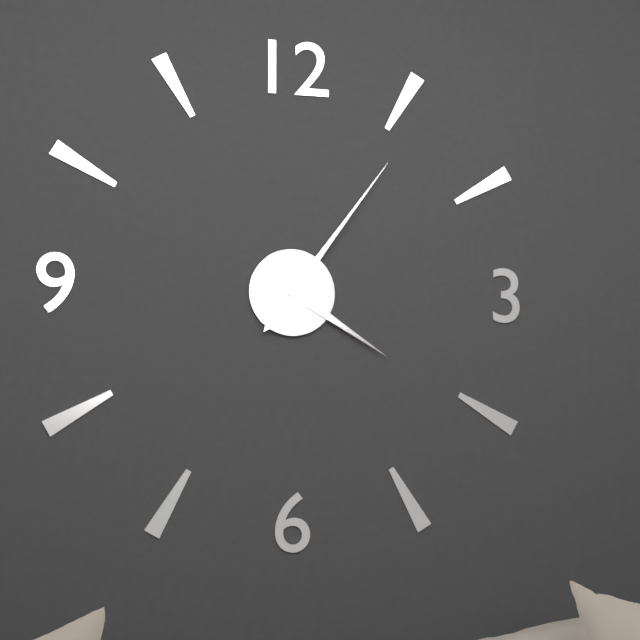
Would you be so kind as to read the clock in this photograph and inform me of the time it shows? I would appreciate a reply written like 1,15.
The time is 4,06
